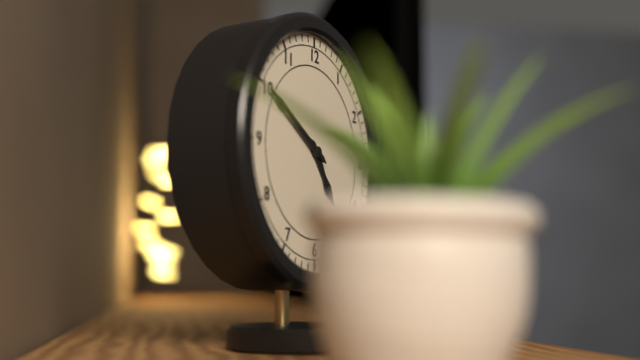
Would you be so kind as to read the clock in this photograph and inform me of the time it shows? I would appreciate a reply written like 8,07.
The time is 4,50
